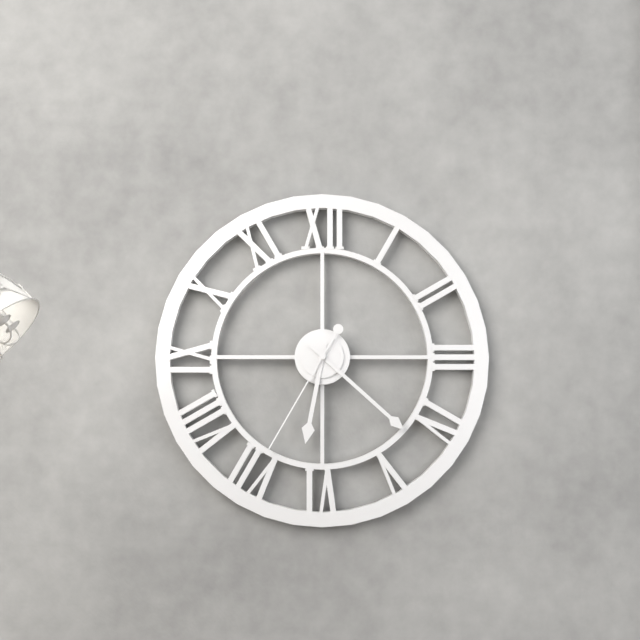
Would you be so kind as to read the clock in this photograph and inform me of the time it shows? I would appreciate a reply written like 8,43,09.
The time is 6,22,35
